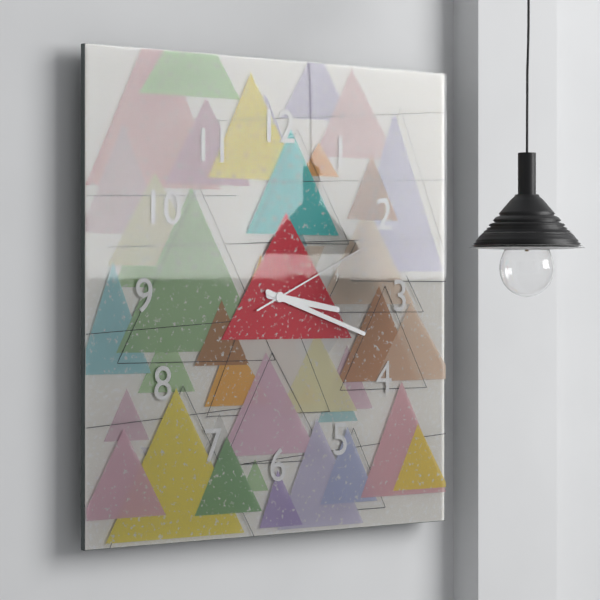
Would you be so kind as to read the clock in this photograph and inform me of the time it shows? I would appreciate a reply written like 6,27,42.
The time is 3,18,11
